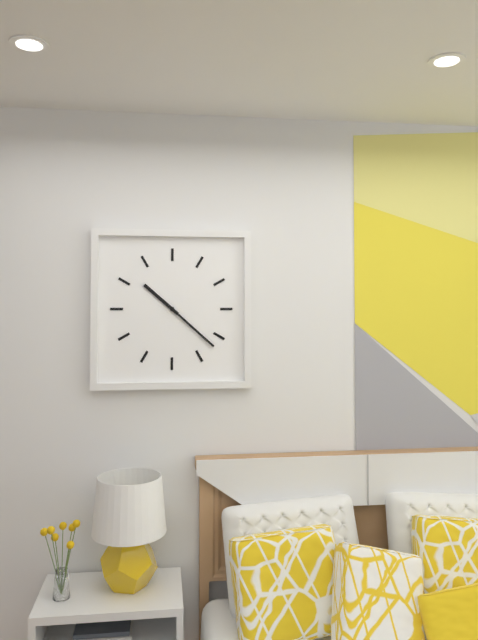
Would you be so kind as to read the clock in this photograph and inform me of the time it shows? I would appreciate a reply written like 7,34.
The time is 10,22
